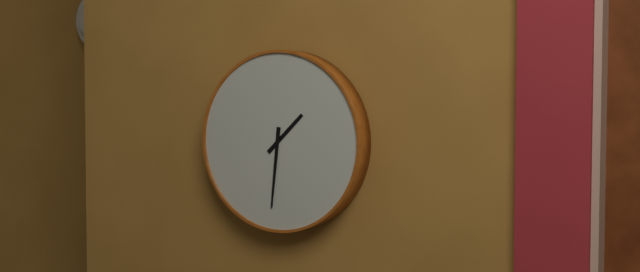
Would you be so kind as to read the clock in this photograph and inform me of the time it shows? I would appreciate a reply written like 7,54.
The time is 1,31
